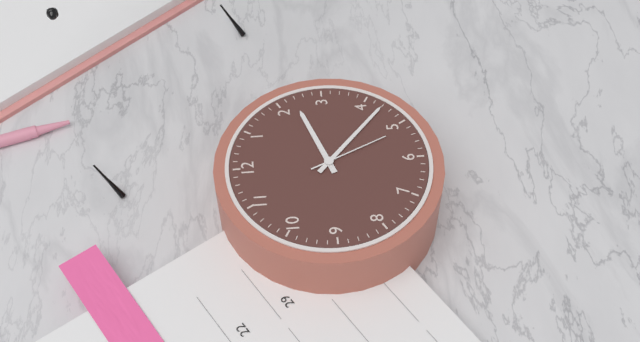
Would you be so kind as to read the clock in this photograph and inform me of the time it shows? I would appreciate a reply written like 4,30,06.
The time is 2,22,26
